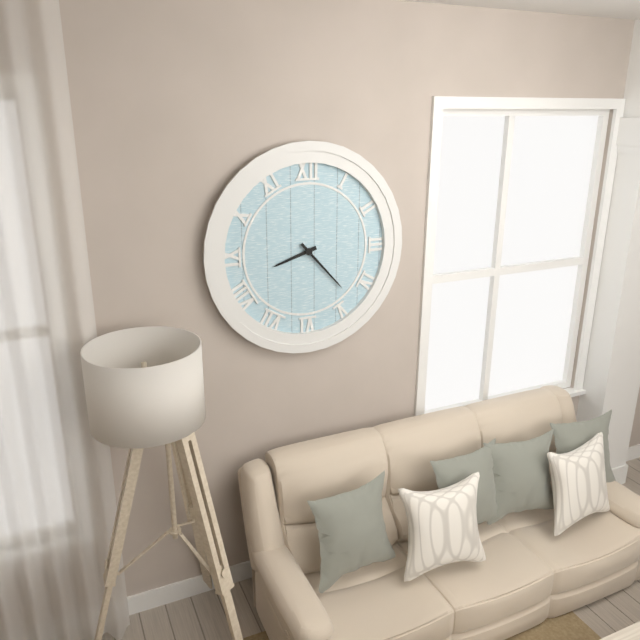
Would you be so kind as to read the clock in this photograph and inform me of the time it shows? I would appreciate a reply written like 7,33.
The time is 8,23
